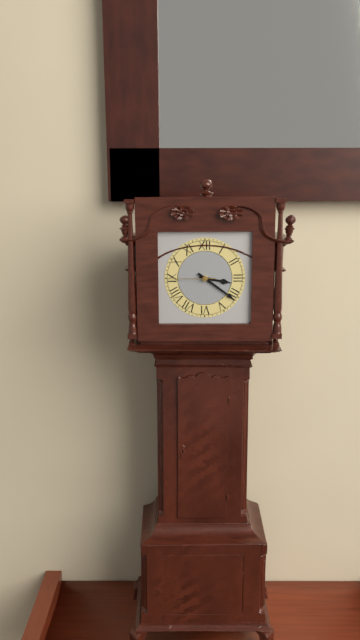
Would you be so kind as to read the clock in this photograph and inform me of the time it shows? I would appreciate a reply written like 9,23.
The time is 3,21
